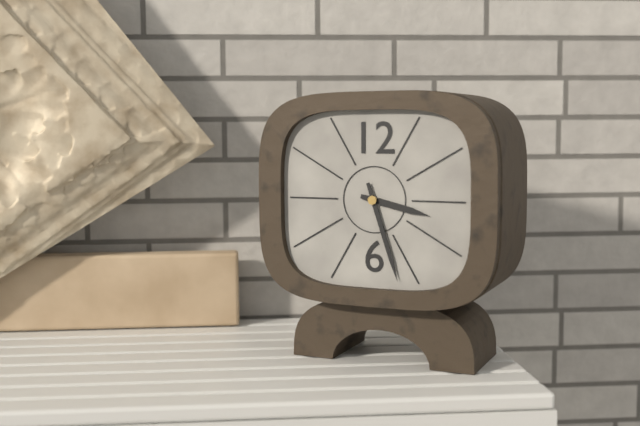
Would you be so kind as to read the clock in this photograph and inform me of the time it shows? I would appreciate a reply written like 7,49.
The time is 3,27
